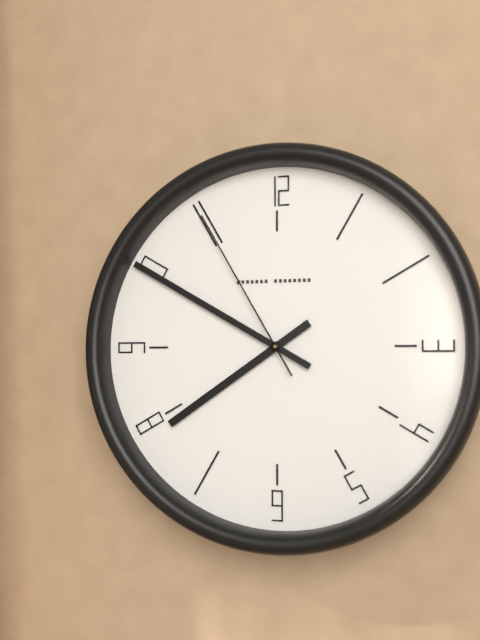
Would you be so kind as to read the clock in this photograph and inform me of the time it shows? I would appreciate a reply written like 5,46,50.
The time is 7,50,55
